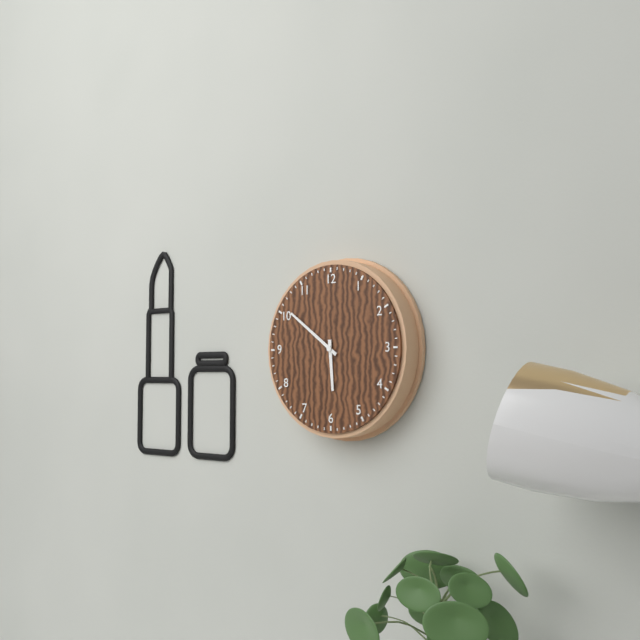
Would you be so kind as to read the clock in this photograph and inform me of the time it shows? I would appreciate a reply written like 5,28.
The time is 5,51
